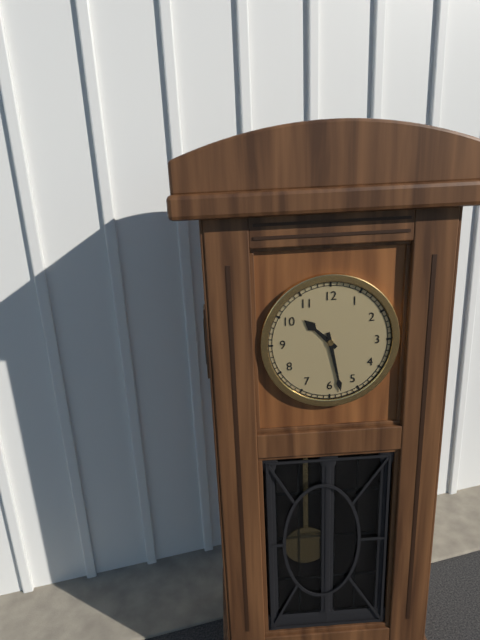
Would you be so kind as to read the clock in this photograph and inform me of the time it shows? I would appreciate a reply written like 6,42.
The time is 10,28
